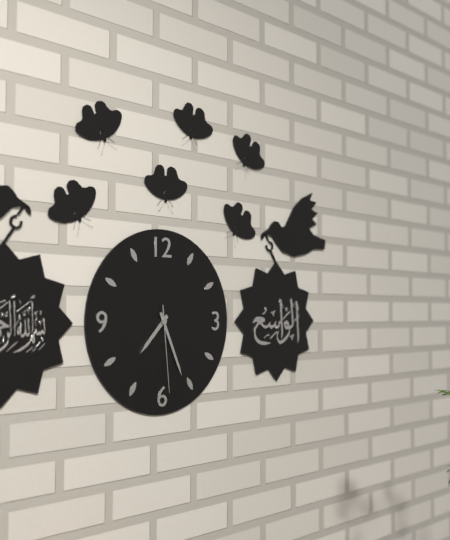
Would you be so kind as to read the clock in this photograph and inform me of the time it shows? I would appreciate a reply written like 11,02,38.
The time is 7,26,29
